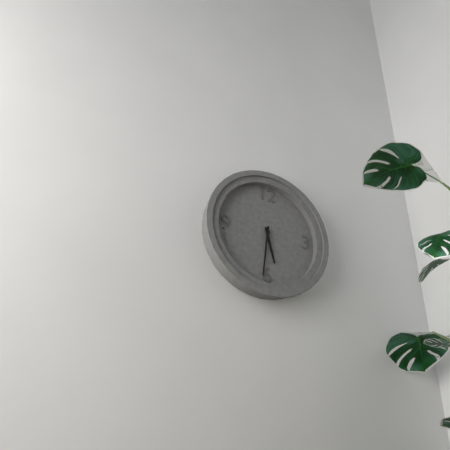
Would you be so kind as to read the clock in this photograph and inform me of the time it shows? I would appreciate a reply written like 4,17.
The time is 5,31
